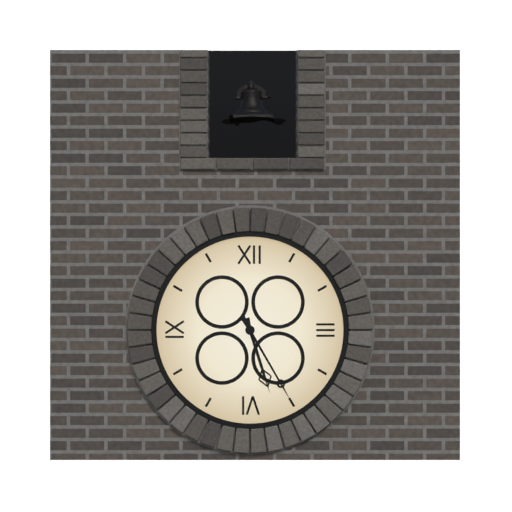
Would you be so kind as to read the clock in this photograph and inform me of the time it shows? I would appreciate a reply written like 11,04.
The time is 5,25
